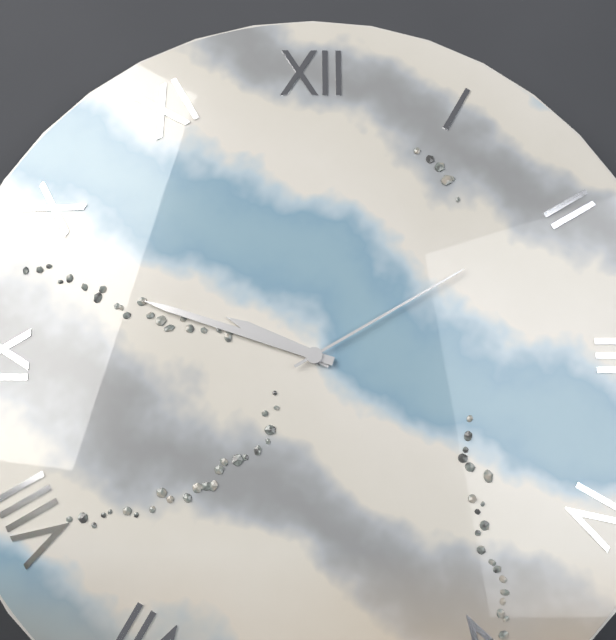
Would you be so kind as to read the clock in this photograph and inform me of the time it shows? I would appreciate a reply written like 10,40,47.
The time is 9,48,10
